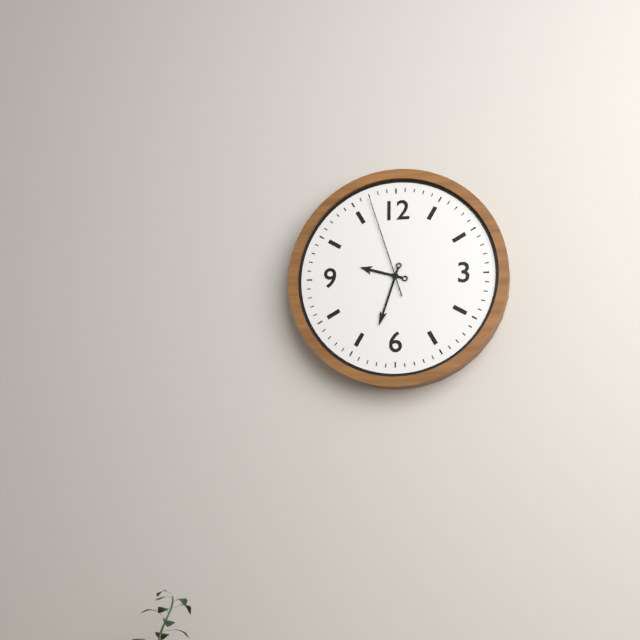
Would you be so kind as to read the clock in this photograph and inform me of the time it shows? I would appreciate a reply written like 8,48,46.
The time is 9,33,57
